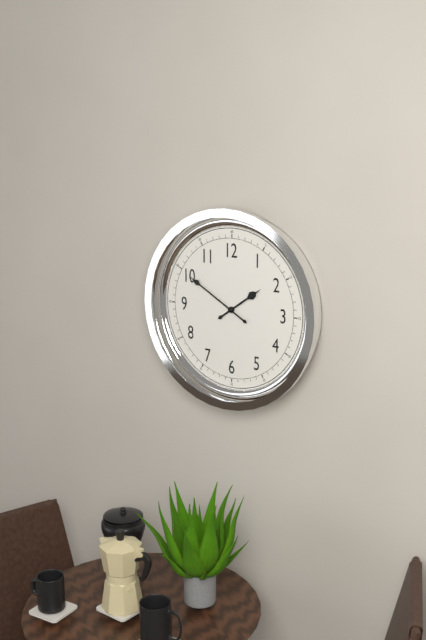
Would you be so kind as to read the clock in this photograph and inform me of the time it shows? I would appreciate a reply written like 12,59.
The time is 1,50
